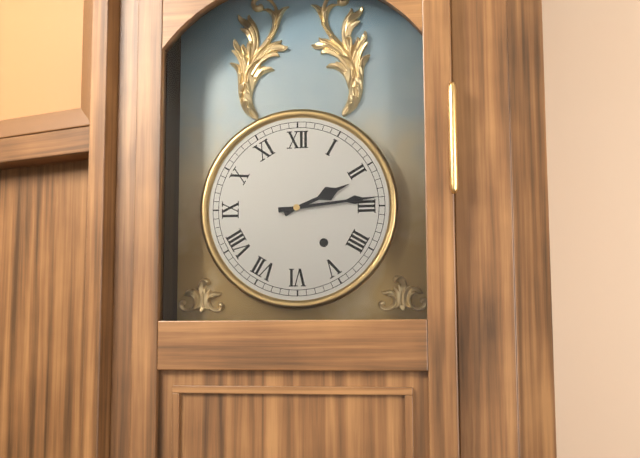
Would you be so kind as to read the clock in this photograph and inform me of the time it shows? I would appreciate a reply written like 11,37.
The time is 2,14
